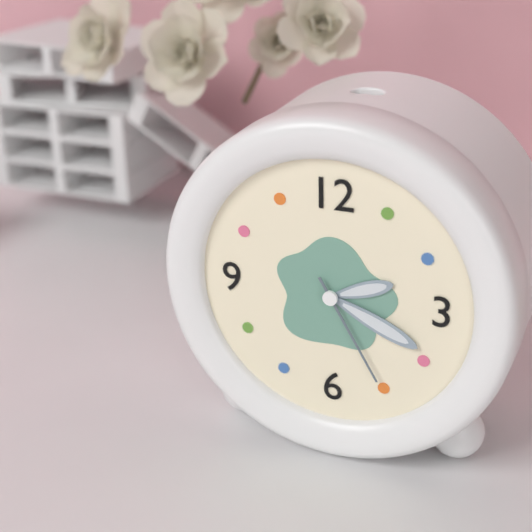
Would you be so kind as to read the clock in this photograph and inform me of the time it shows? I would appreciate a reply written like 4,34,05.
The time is 2,19,25
